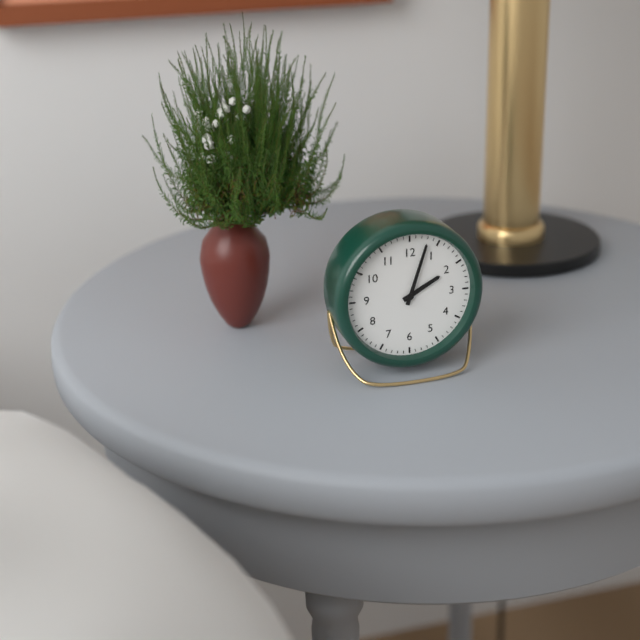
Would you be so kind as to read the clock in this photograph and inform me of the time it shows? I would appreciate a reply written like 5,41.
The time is 2,03
